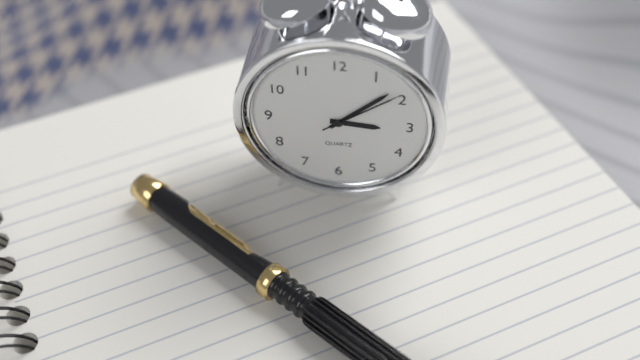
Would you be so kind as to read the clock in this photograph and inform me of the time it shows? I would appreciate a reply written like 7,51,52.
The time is 3,08,09
